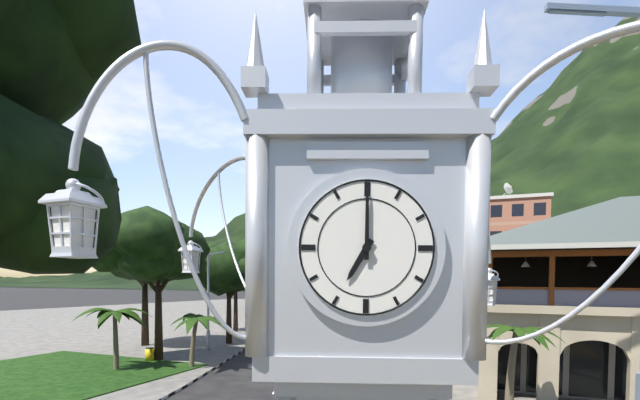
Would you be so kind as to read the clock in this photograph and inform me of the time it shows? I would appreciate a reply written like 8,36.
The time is 7,00
